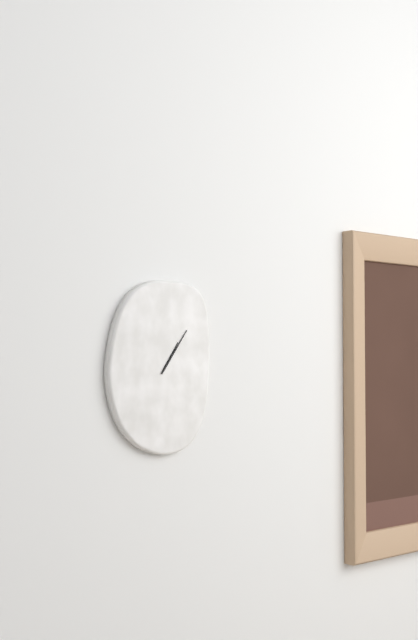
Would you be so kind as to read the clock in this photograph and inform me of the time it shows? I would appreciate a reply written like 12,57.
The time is 1,06
